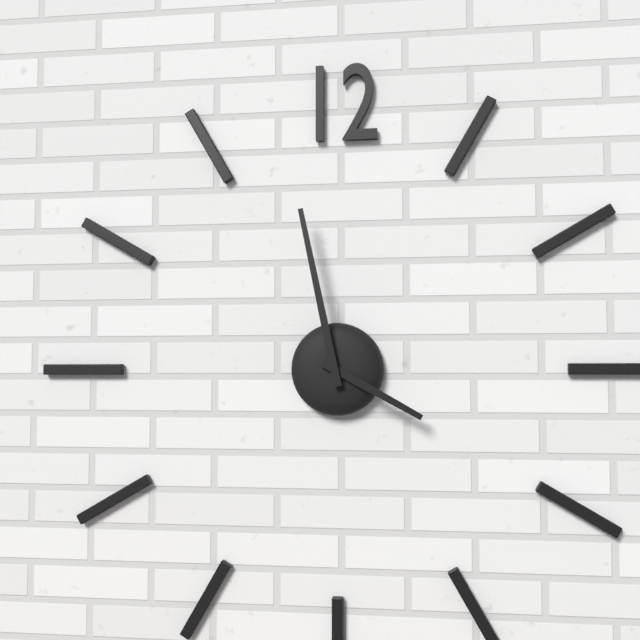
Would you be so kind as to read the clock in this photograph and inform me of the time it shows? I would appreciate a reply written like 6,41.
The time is 3,58
